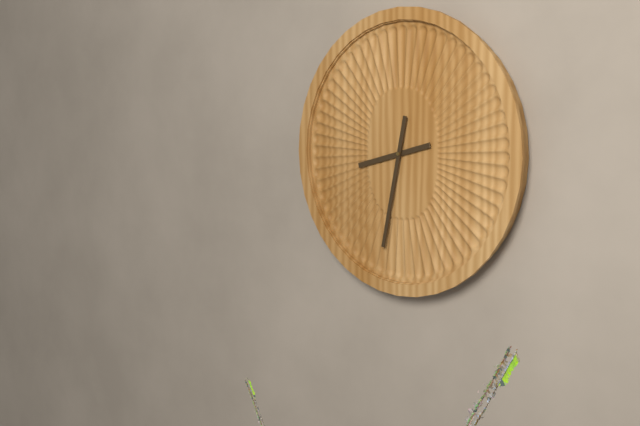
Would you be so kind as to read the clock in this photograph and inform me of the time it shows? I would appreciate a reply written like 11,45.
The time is 8,32
